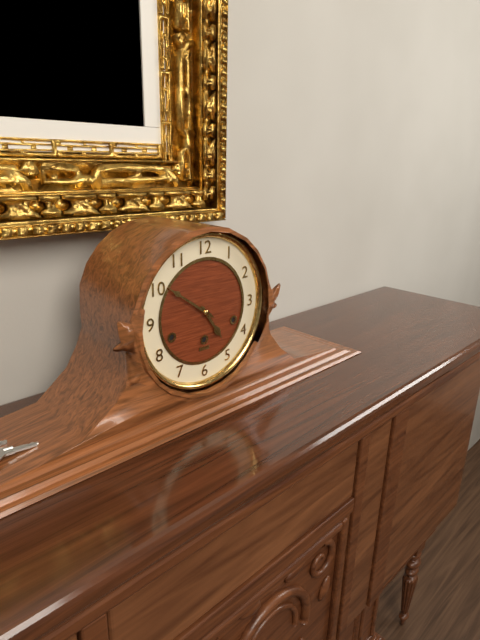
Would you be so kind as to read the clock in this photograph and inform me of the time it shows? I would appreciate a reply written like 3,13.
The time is 4,51
